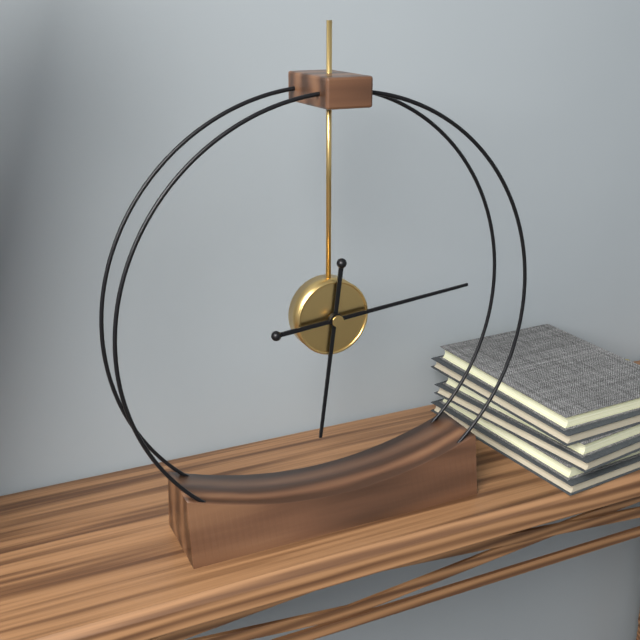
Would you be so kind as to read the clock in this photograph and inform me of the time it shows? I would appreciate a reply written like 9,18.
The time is 6,14
